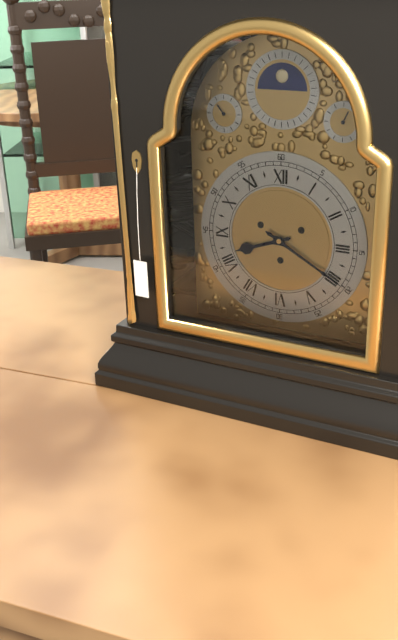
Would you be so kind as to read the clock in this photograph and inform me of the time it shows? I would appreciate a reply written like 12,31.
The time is 8,20
